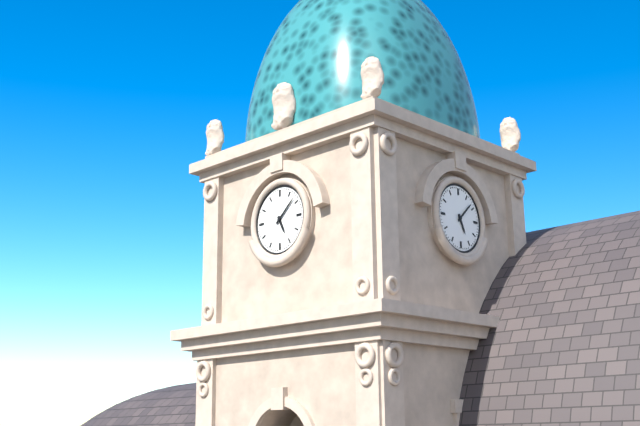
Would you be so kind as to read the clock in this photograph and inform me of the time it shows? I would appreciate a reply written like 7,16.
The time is 5,08
